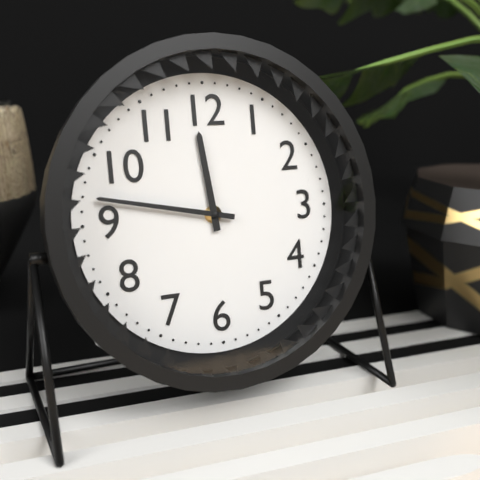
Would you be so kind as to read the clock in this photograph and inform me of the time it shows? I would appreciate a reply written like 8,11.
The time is 11,47
